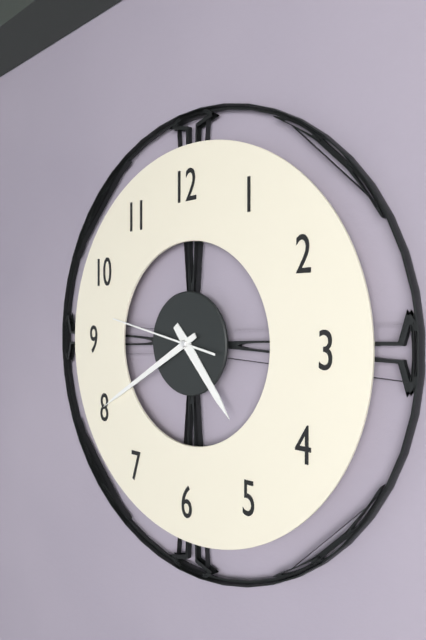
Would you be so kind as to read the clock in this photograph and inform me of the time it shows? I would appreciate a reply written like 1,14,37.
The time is 4,40,47
